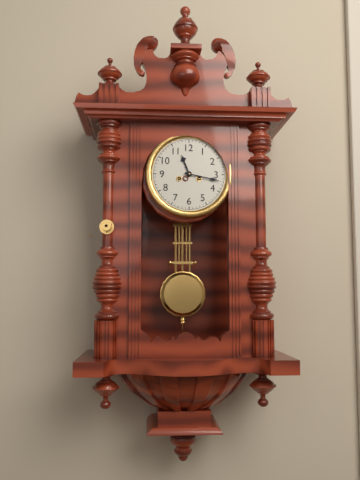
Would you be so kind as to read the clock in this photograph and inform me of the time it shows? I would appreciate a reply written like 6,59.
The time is 11,17
